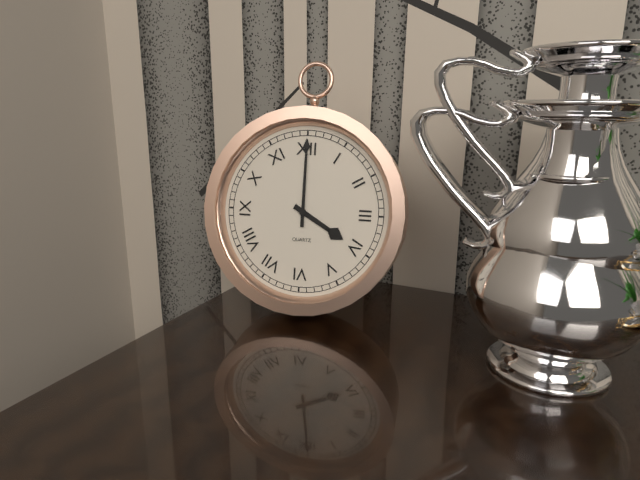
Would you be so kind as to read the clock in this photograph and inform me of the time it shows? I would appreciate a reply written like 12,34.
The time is 4,00
